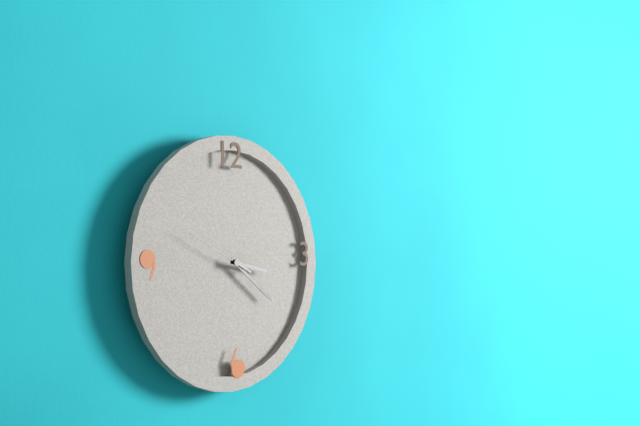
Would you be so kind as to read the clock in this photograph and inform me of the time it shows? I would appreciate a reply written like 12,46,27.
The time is 3,21,49
